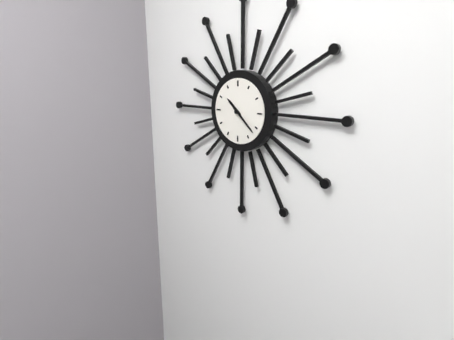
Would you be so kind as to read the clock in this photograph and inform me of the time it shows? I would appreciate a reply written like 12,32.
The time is 10,22
